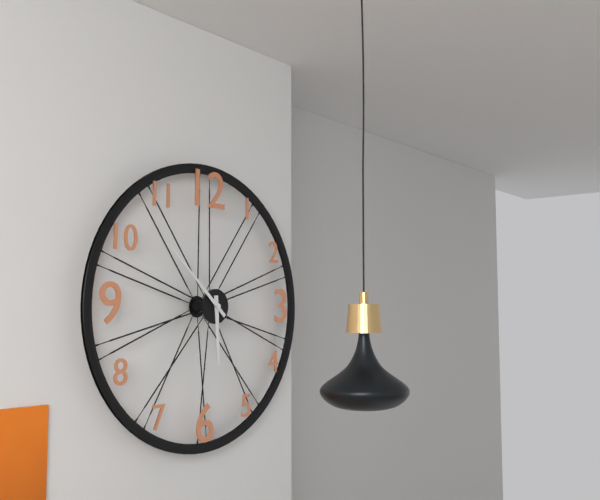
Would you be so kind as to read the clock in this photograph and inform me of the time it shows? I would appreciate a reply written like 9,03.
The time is 5,52
